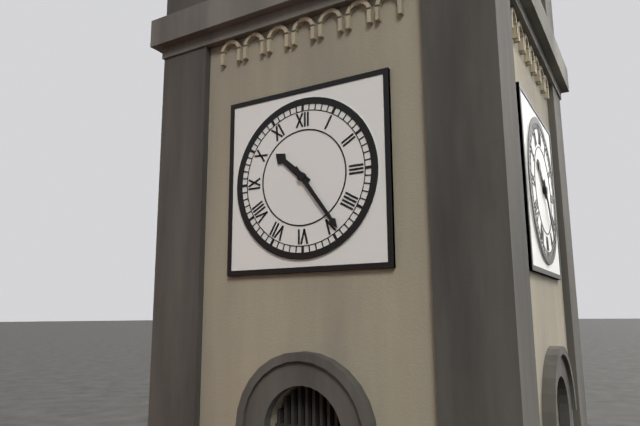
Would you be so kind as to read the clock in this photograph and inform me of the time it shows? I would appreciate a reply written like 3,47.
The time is 10,24
